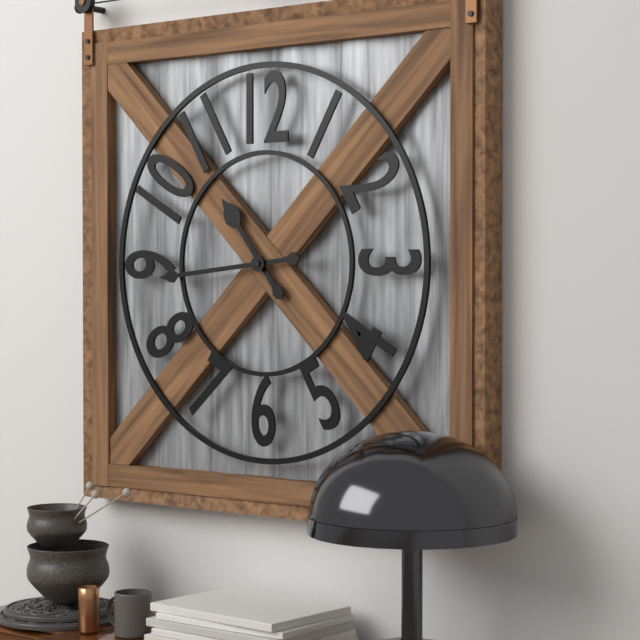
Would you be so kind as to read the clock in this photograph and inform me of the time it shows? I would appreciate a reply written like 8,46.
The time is 10,44
